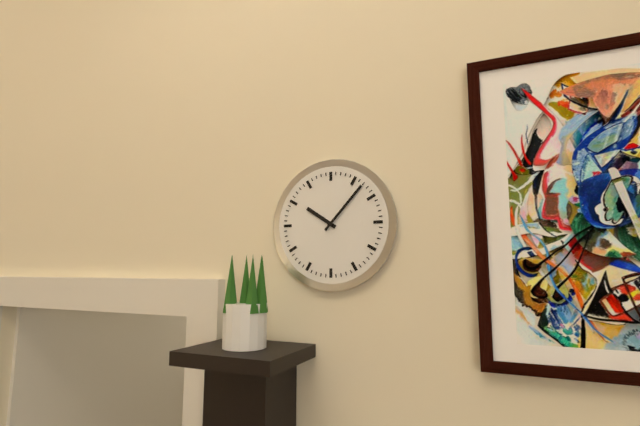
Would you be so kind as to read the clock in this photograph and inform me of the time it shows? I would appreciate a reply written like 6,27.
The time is 10,07
